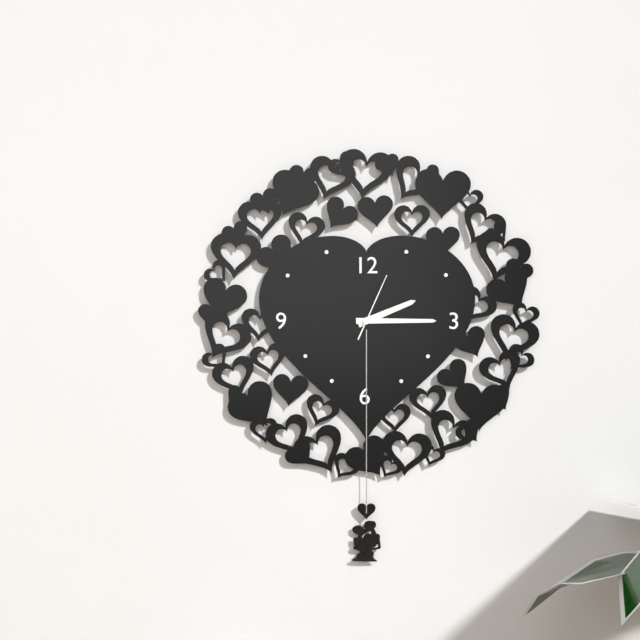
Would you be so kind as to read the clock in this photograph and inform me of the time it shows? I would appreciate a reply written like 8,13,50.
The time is 2,15,04
